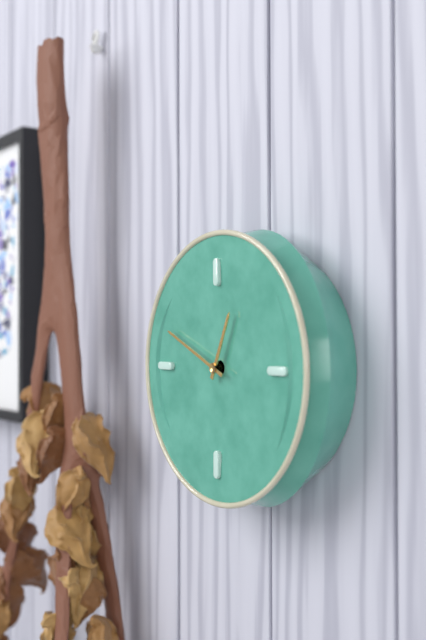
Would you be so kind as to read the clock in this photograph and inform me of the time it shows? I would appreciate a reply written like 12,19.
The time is 12,49
